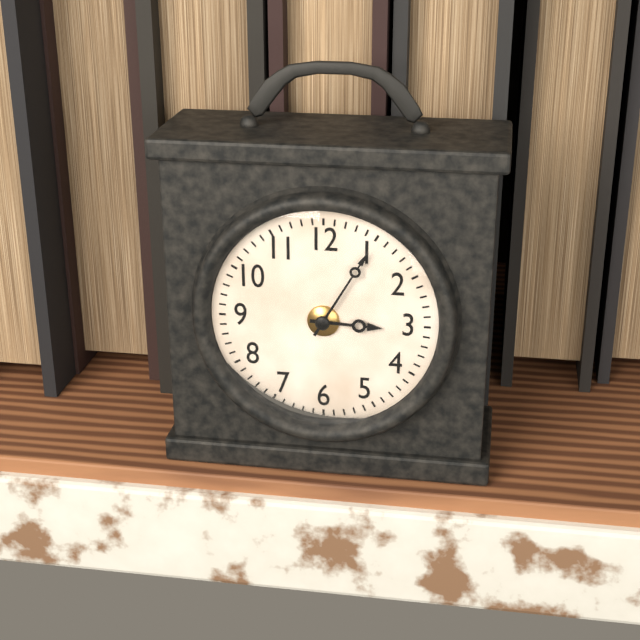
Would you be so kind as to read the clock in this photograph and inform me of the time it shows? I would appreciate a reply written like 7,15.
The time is 3,05
